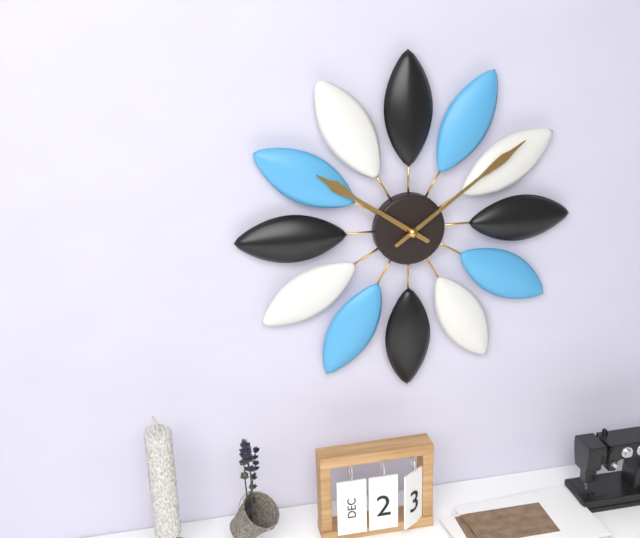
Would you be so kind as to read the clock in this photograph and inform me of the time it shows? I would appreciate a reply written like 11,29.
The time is 10,09
